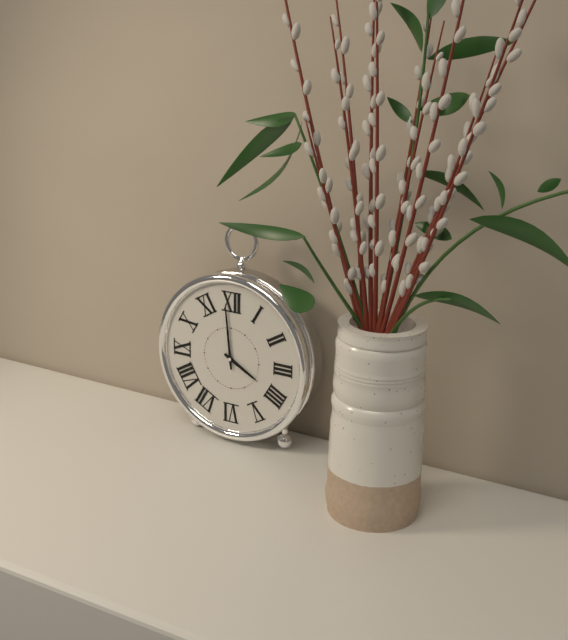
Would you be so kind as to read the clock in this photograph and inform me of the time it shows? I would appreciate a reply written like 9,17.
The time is 3,59
